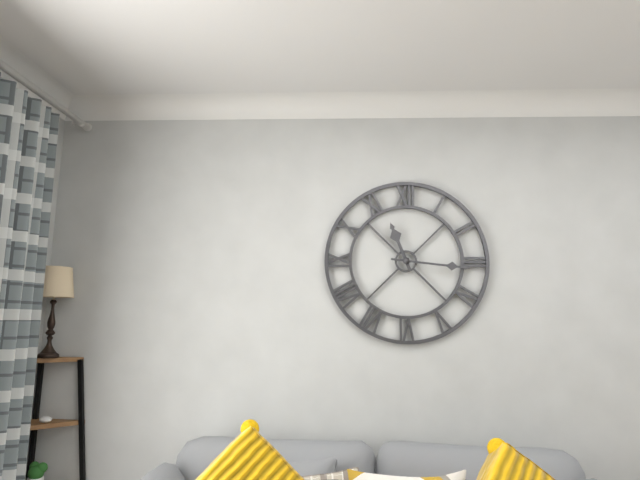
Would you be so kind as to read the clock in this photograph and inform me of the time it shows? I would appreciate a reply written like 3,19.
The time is 11,16
